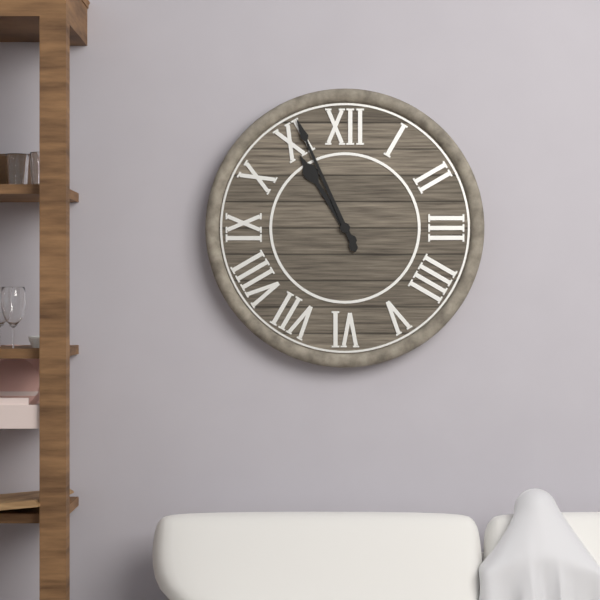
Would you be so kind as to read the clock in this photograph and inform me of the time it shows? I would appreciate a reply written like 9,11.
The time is 10,56
